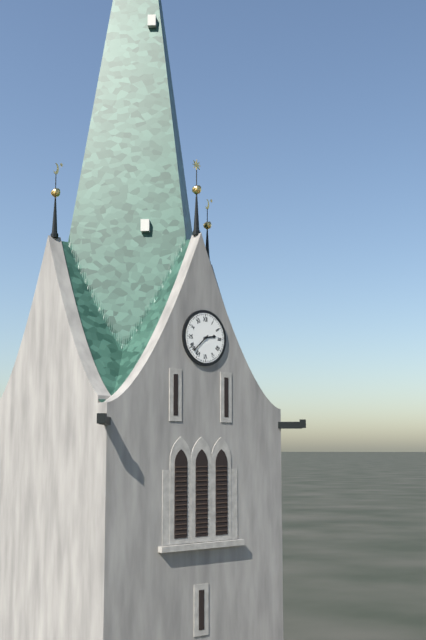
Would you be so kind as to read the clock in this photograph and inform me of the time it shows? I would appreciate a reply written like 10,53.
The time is 2,38
